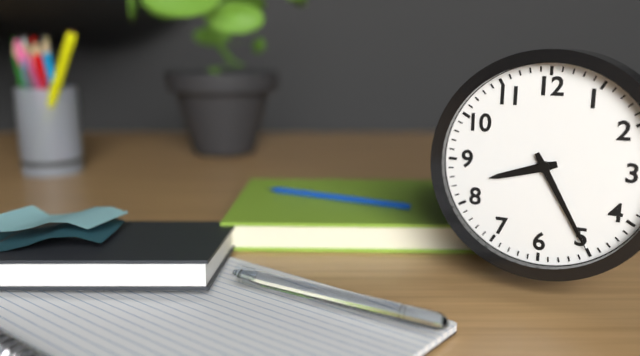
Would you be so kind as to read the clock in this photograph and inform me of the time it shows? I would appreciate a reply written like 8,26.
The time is 8,25
